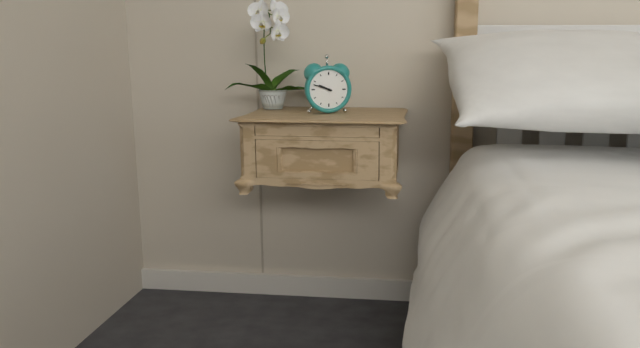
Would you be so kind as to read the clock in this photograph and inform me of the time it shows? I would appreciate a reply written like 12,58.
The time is 9,48
